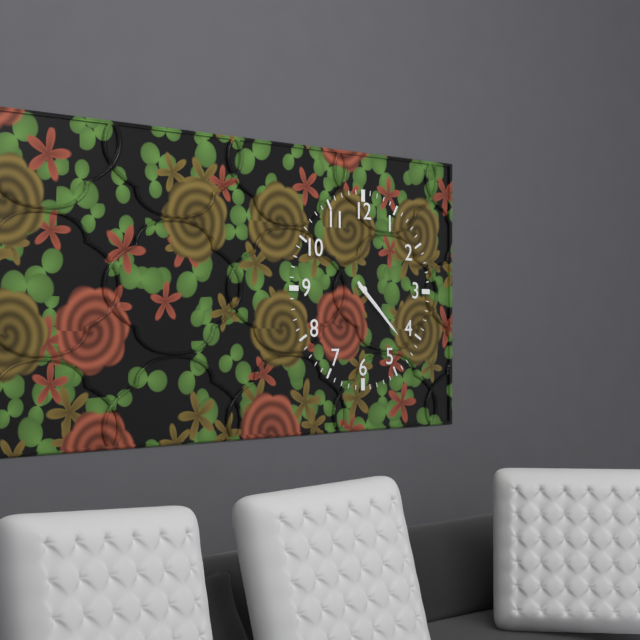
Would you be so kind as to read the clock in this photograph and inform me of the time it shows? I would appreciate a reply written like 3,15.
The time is 4,22
